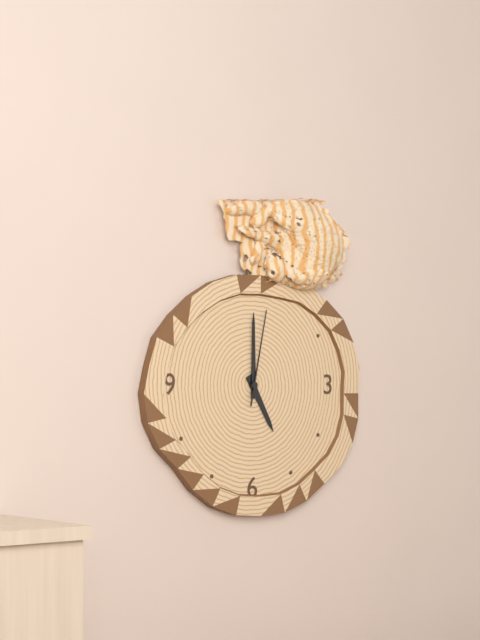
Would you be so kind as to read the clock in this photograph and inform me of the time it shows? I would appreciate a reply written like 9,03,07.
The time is 5,00,02
